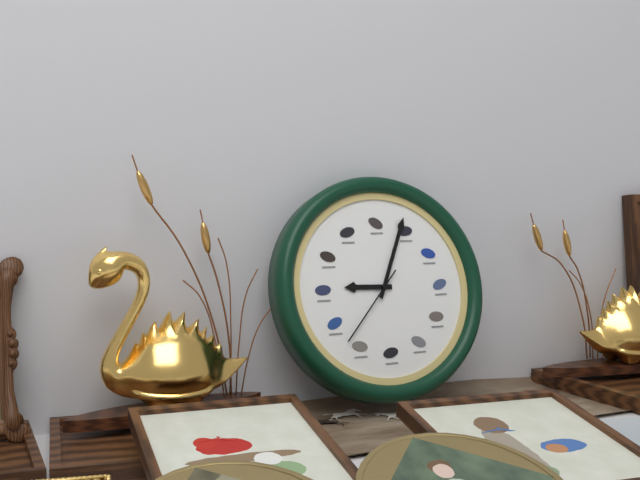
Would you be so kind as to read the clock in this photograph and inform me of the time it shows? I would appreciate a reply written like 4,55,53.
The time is 9,04,37
